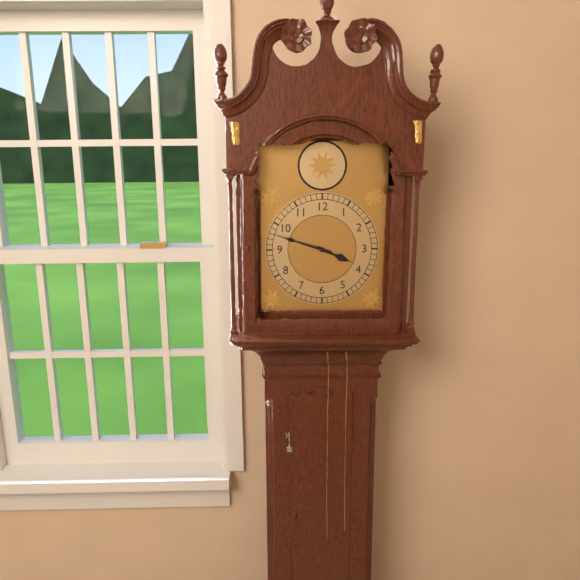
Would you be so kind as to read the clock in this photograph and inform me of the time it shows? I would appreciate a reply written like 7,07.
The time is 3,48
